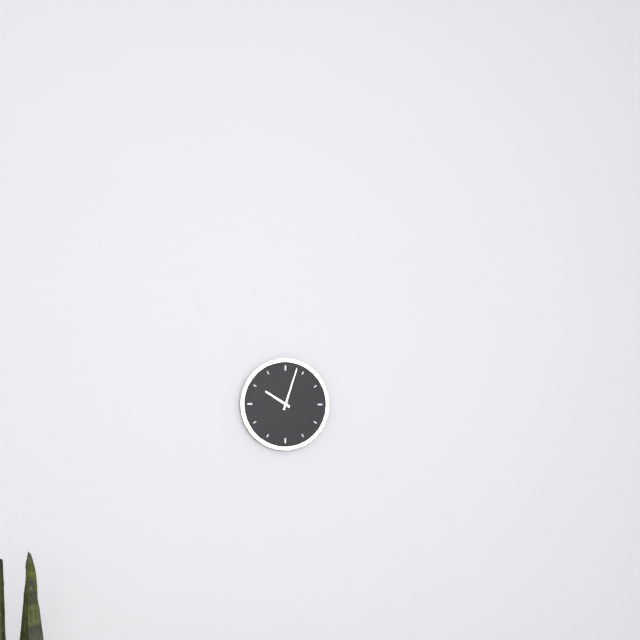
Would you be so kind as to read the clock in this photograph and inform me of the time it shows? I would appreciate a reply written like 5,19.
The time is 10,03
